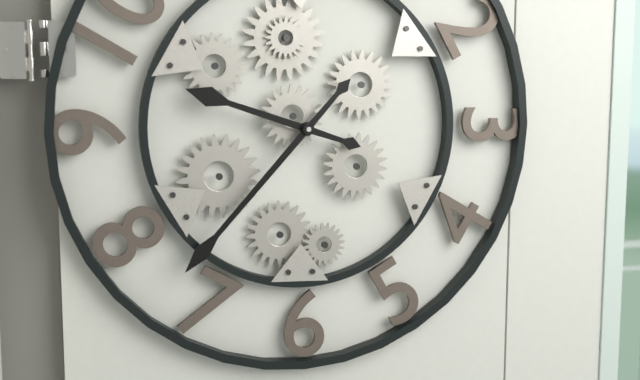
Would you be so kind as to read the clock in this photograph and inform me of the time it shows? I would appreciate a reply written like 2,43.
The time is 9,37
